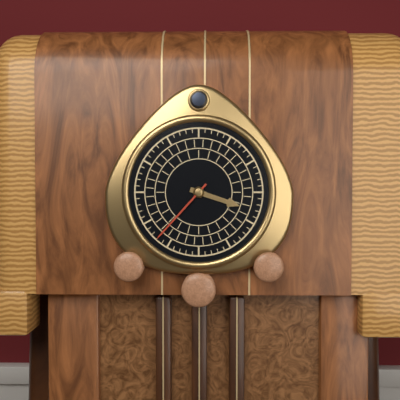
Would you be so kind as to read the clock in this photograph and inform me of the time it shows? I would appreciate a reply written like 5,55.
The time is 3,37
